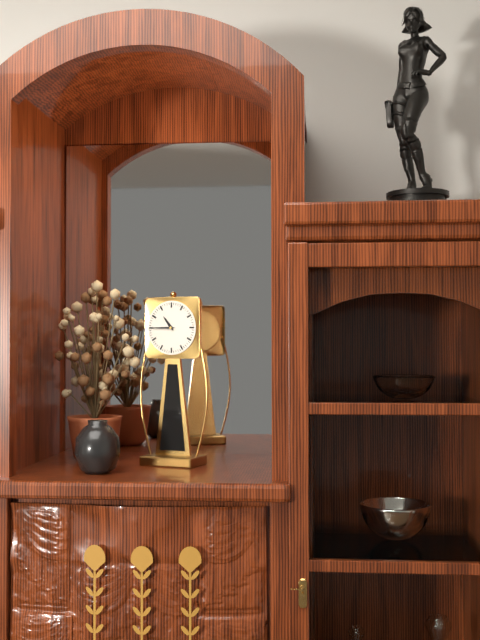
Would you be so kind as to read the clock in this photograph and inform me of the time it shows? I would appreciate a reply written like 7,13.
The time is 10,45
